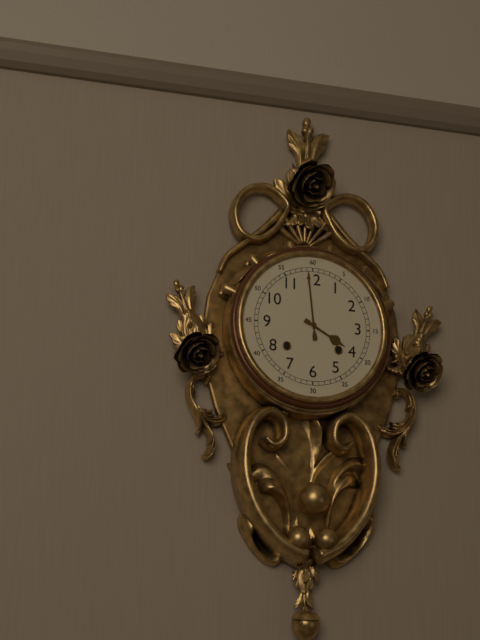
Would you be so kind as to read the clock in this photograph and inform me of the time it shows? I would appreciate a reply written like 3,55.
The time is 3,59
